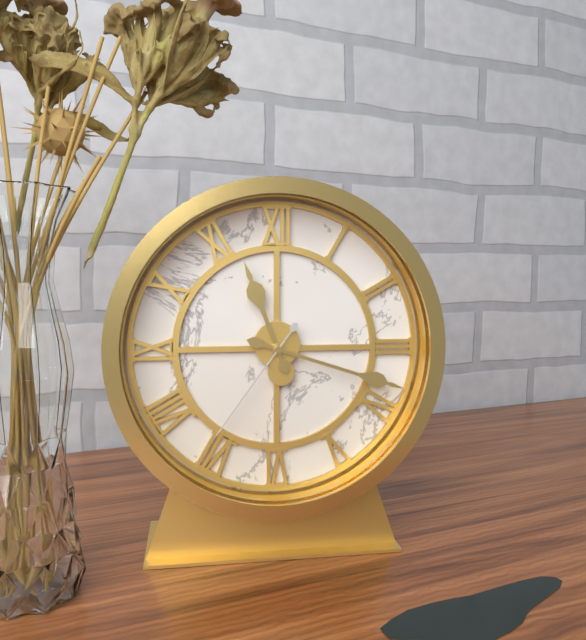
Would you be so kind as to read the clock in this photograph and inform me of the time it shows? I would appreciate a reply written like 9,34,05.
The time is 11,18,36
